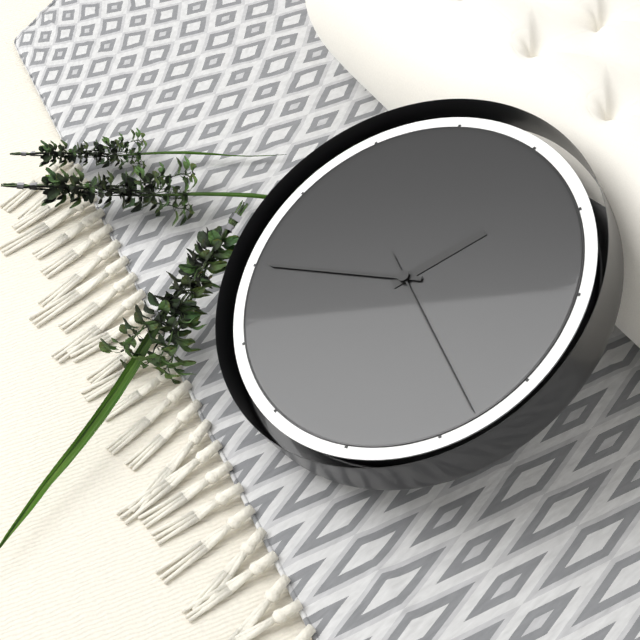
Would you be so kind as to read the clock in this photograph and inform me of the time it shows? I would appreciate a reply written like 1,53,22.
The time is 12,40,18
